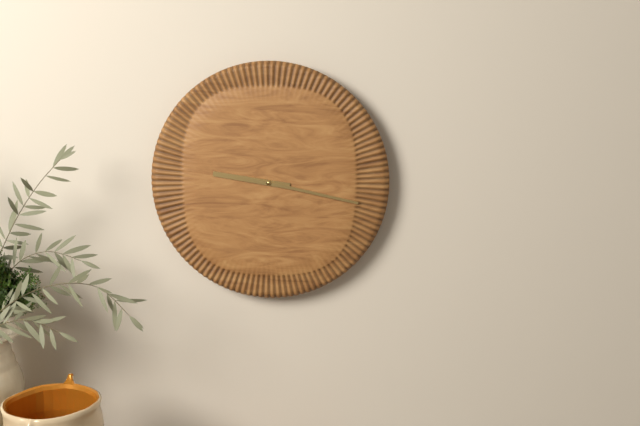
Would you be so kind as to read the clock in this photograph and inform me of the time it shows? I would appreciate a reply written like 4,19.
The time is 9,17
